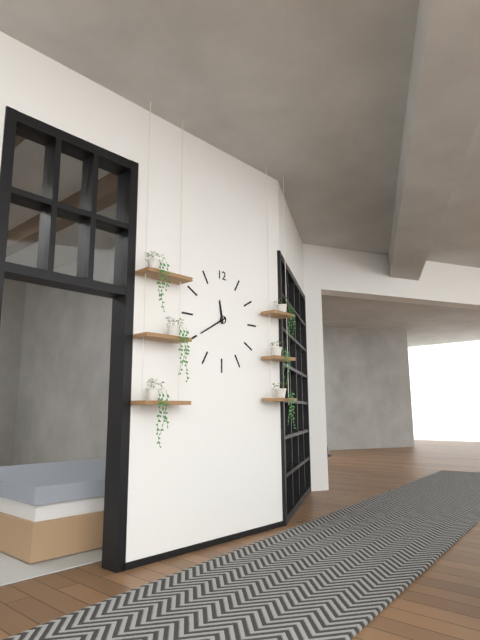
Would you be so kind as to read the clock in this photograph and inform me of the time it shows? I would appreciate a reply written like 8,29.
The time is 11,40
